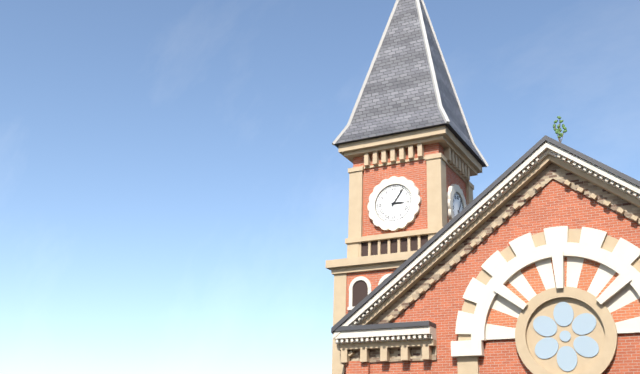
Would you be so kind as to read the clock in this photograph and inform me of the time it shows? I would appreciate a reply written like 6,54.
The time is 3,06
